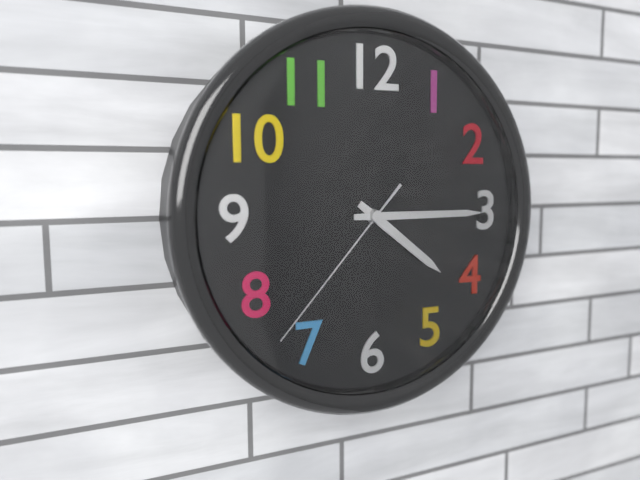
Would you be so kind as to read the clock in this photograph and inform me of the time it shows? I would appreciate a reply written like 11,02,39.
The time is 4,15,37
